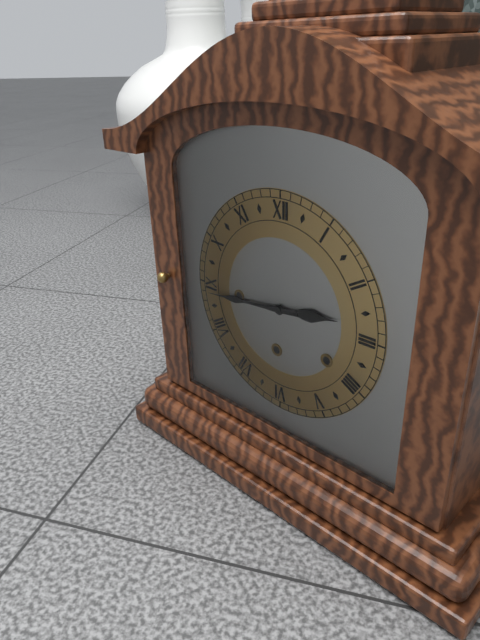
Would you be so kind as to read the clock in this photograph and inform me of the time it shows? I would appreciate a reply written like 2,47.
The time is 2,44
